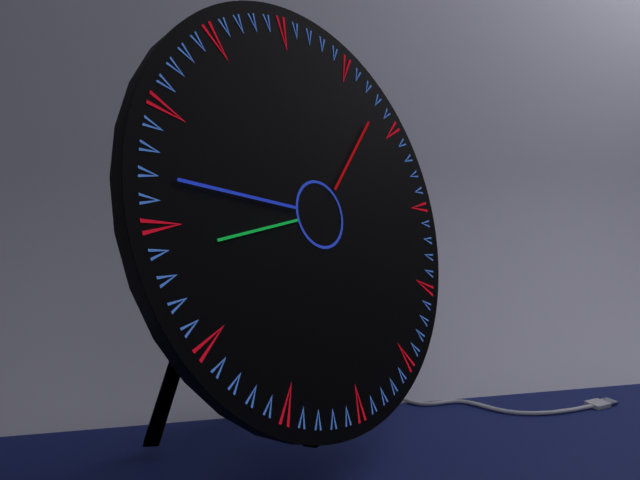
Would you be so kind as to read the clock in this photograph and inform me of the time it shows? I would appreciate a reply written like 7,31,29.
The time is 8,47,08
